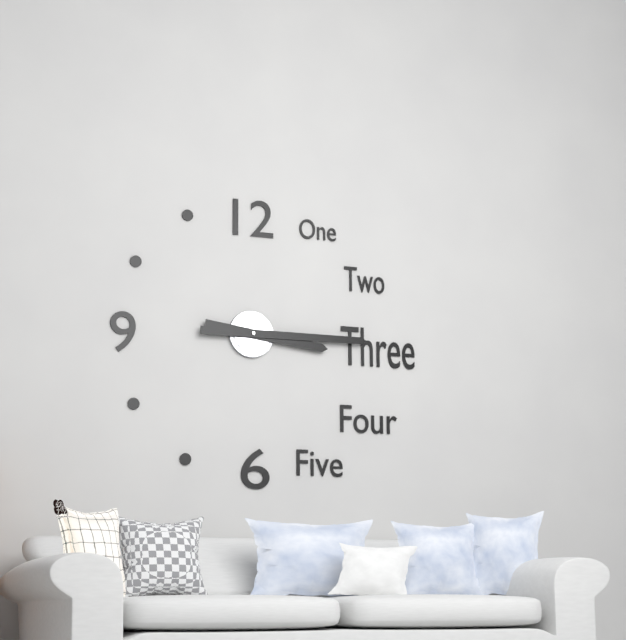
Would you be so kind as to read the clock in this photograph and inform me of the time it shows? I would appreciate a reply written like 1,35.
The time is 3,15
